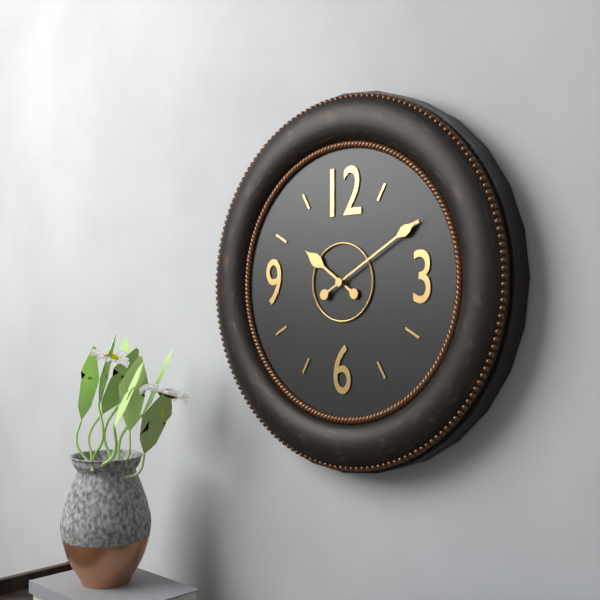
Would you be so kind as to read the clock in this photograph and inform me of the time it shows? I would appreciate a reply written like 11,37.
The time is 10,10
